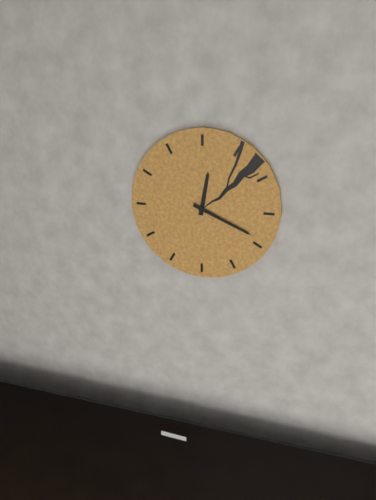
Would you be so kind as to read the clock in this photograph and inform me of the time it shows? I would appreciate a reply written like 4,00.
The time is 12,19
